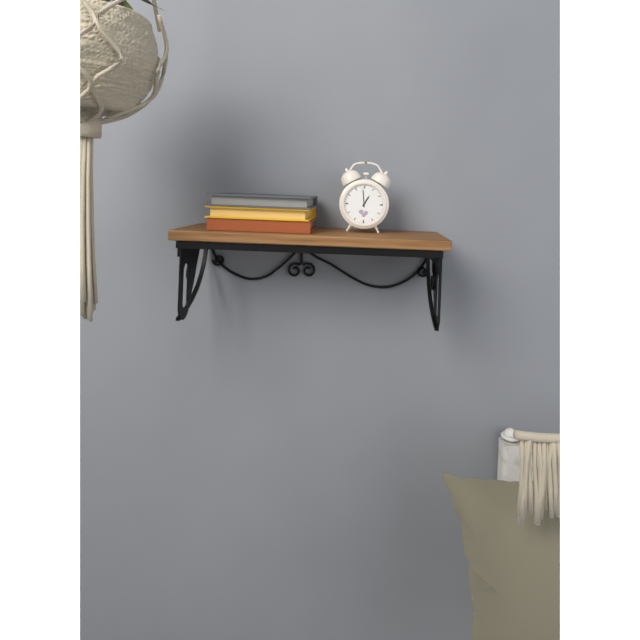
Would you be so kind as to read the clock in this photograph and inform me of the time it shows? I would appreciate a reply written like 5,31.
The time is 12,59
